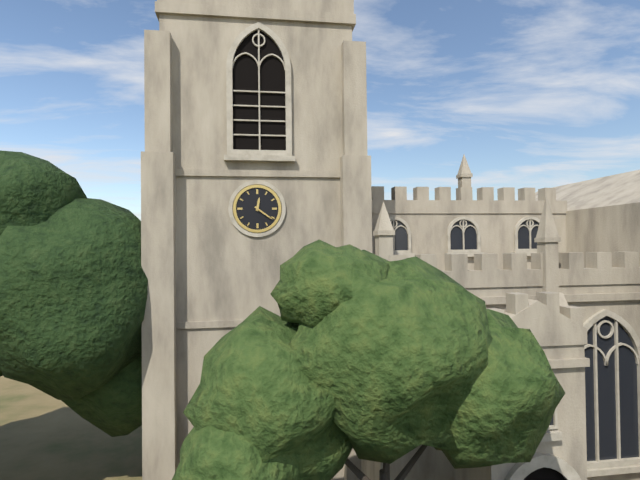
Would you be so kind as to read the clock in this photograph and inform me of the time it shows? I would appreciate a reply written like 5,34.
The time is 12,21
